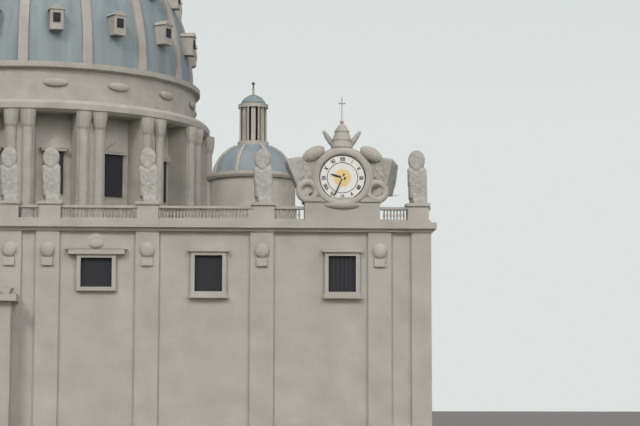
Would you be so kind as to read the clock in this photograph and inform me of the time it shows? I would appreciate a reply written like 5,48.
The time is 9,34
